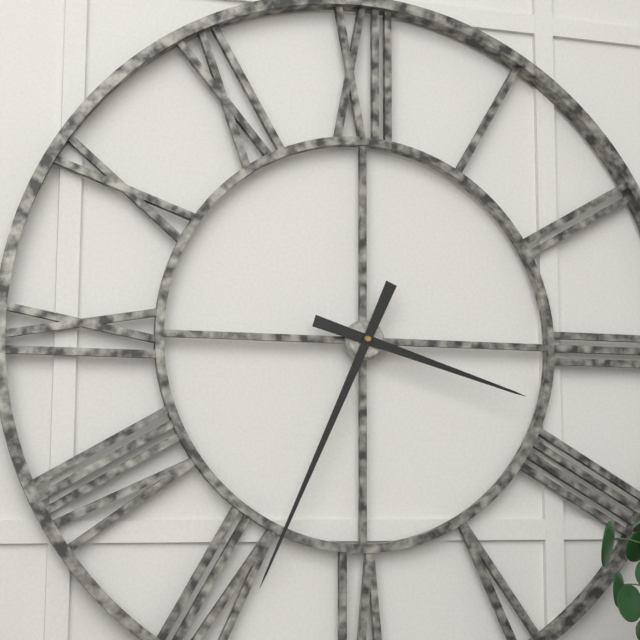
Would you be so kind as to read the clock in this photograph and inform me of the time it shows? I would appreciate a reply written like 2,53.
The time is 3,34
